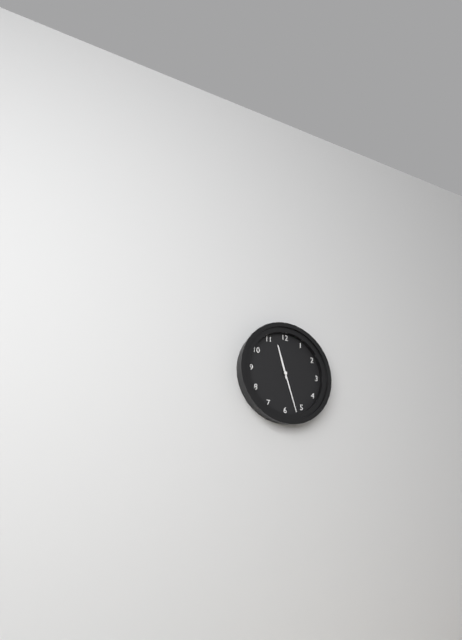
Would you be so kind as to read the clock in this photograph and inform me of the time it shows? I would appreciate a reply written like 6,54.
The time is 11,27
